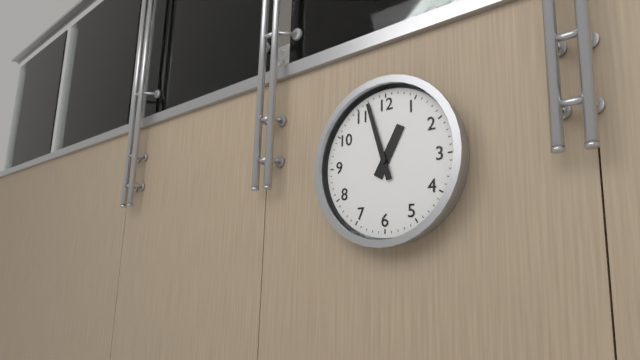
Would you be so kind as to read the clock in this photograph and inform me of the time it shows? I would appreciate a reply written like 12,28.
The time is 12,57
